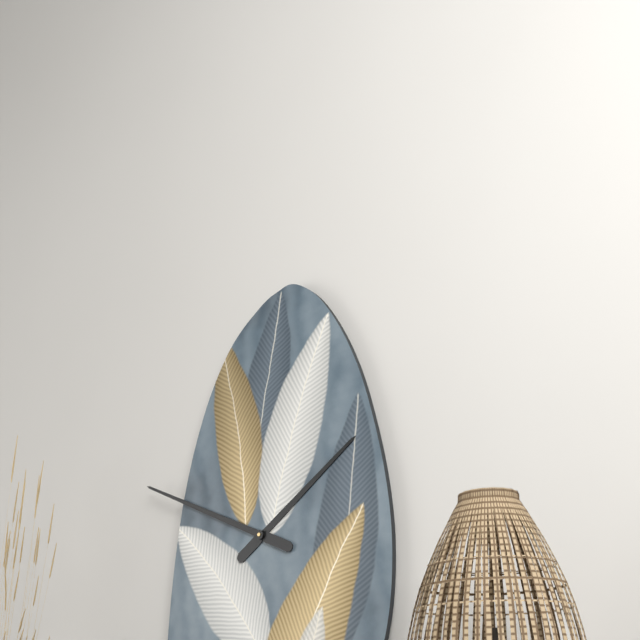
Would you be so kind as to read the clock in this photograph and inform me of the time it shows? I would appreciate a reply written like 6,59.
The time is 1,49
